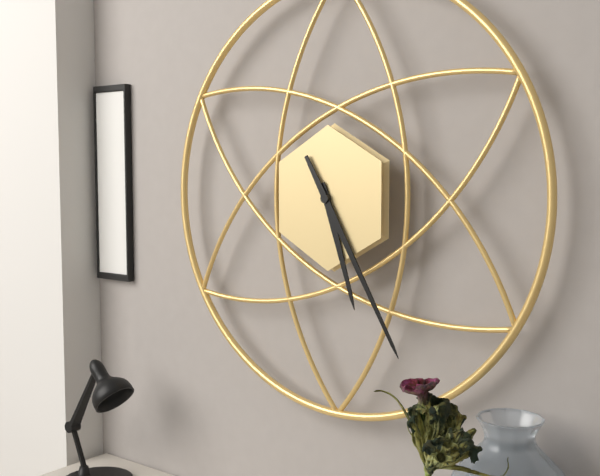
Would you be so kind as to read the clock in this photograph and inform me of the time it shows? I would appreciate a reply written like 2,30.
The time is 5,25
